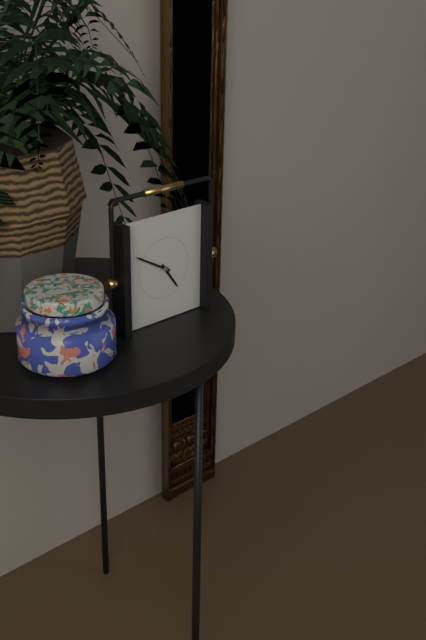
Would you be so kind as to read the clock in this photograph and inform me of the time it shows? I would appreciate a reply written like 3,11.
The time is 4,50
